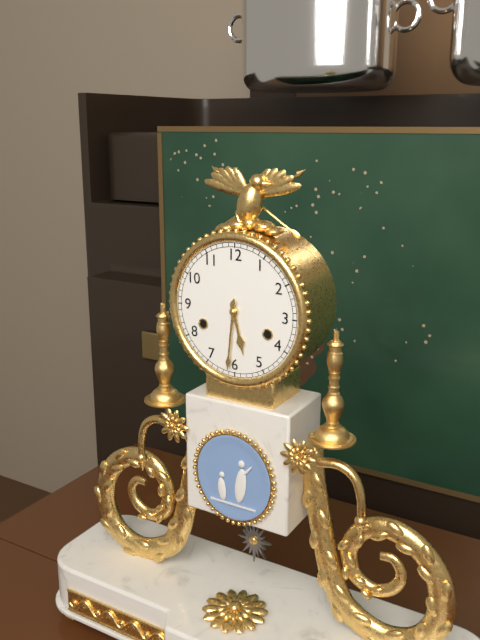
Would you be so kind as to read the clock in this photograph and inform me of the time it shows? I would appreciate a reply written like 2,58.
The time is 5,31
